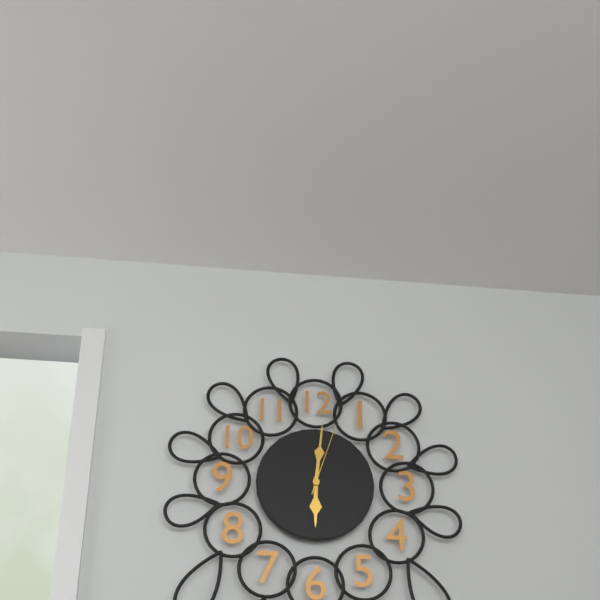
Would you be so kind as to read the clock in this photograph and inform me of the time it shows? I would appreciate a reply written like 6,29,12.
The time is 6,01,03
